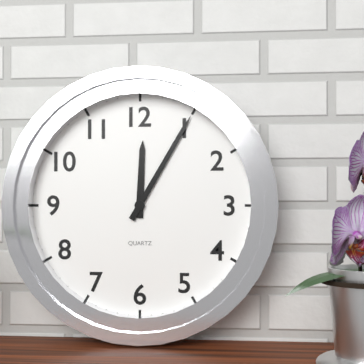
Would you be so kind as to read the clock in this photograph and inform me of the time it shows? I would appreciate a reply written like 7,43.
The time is 12,05
